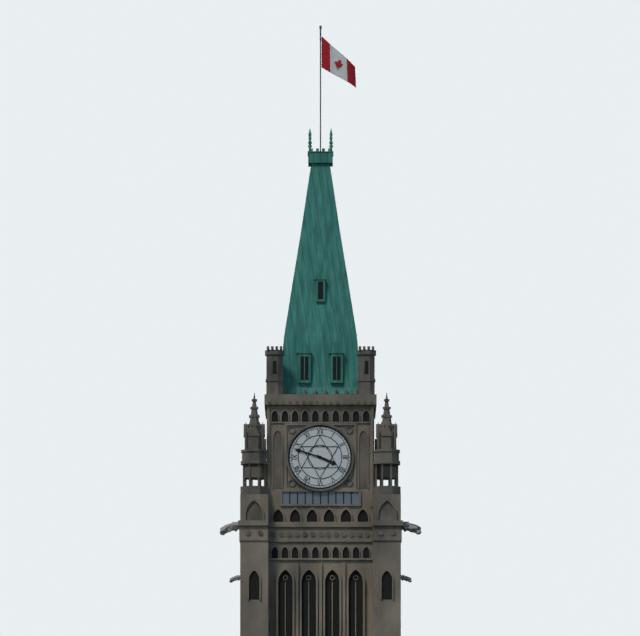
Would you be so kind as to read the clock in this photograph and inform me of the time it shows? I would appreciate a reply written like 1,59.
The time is 3,48
